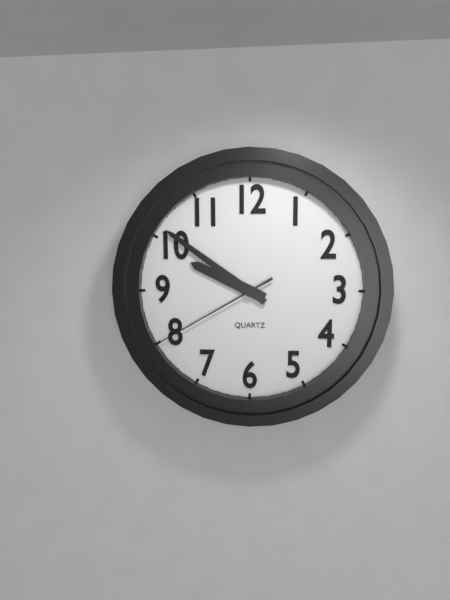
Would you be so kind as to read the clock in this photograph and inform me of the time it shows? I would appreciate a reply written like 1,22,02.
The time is 9,51,40
